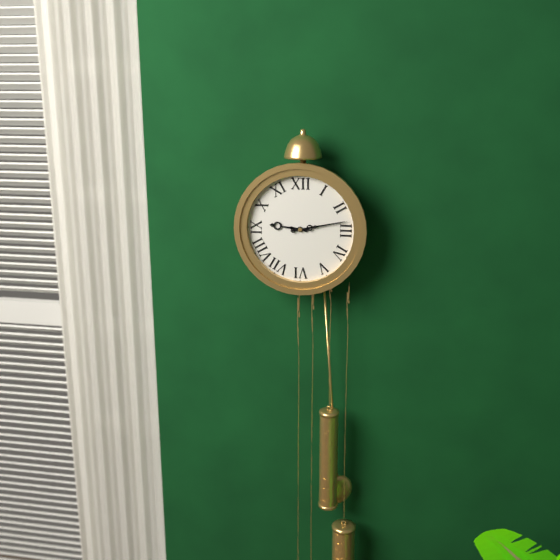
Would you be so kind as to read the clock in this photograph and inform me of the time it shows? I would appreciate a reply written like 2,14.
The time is 9,13
